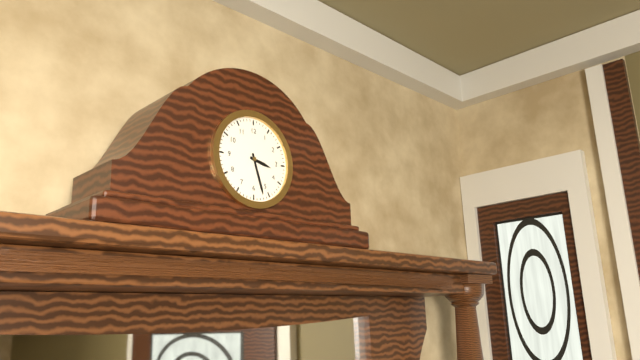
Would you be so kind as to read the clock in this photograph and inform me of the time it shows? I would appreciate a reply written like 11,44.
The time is 3,27
